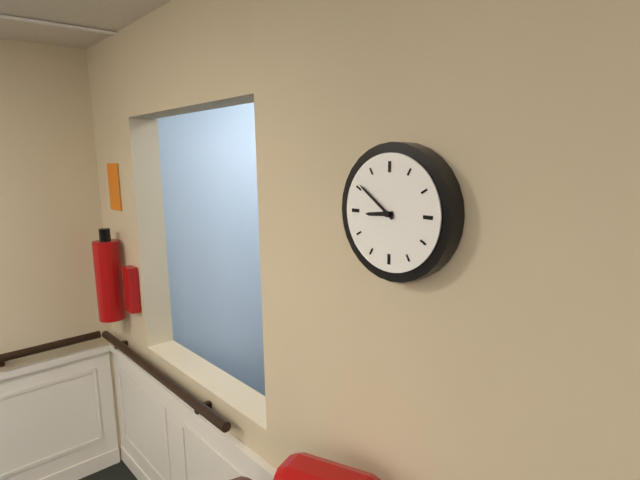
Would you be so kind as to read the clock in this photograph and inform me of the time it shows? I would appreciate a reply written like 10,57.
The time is 8,51
